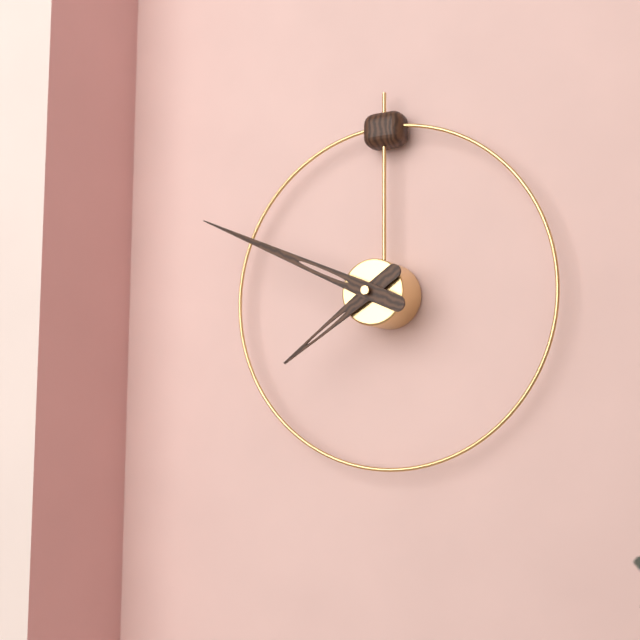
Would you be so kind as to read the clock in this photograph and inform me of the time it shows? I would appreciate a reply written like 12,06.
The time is 7,49
